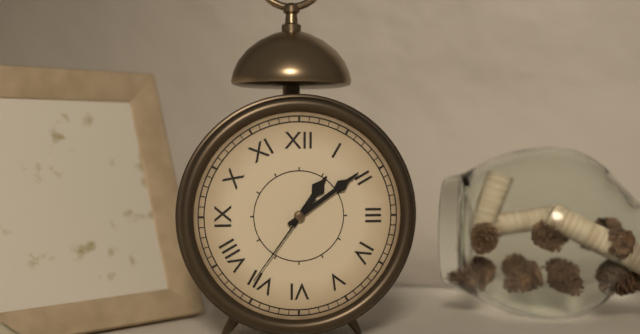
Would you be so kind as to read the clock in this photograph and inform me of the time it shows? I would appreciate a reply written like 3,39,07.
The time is 1,09,36
